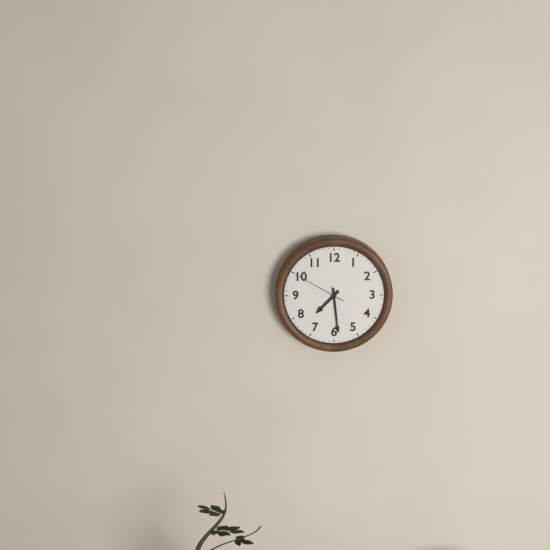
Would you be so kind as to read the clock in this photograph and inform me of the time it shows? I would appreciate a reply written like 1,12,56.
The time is 7,29,50
